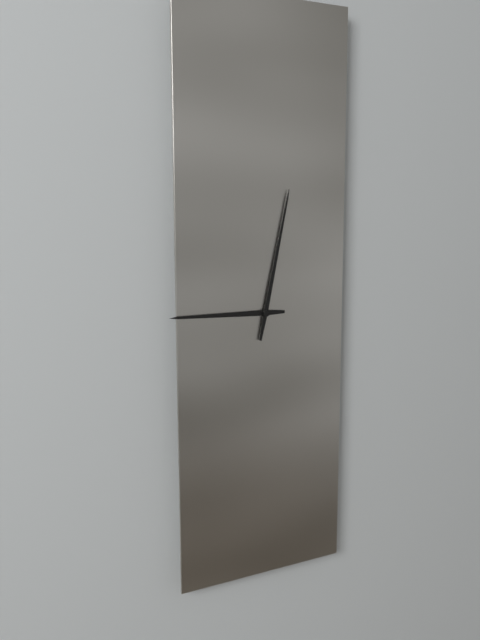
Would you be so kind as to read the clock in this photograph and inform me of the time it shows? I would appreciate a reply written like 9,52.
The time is 9,02
